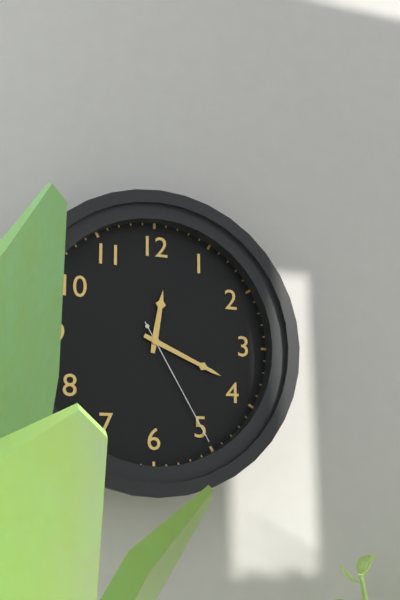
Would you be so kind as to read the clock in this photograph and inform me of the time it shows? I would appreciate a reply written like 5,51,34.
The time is 12,19,25
